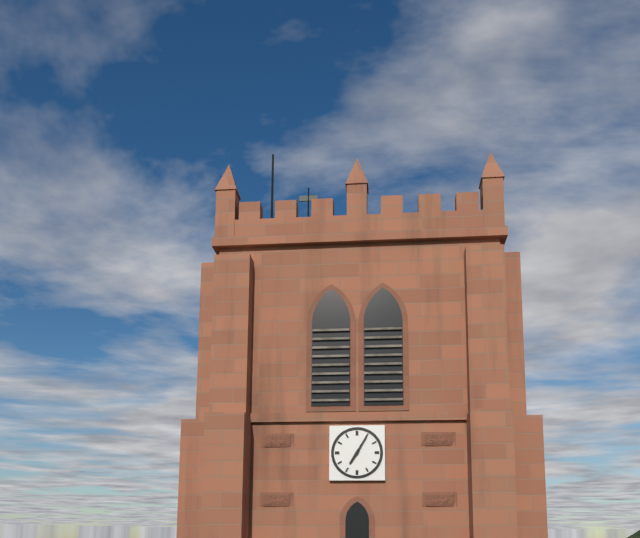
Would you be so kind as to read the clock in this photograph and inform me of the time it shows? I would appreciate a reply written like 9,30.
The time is 7,05
